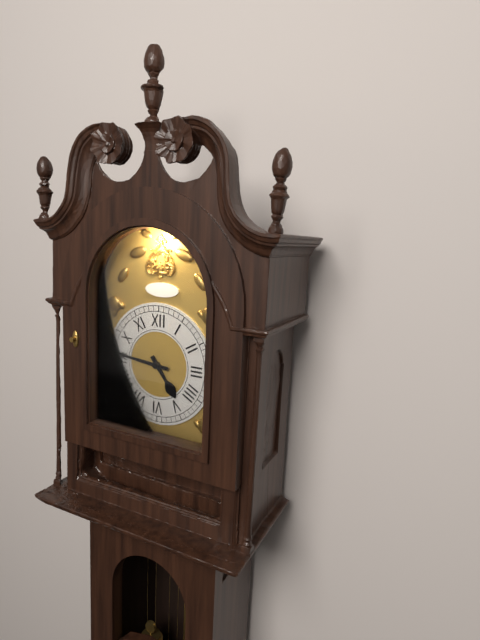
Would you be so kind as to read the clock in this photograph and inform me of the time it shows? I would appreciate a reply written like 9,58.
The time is 4,46
